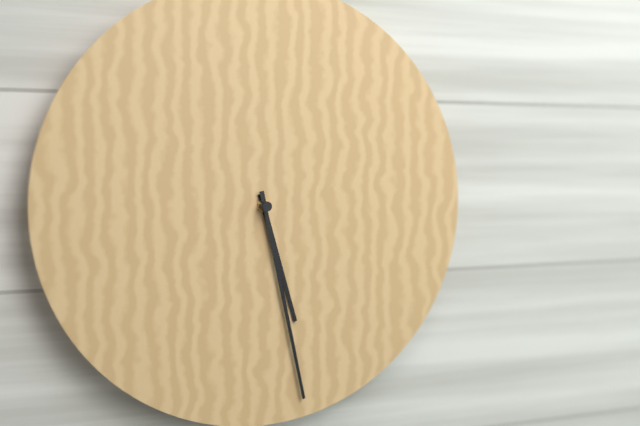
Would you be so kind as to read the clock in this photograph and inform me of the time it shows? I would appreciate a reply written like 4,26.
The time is 5,28
